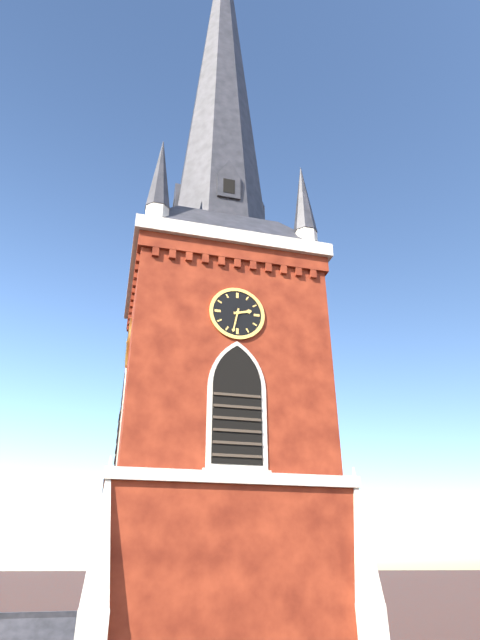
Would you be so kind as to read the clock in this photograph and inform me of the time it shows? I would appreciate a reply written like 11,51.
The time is 2,32
